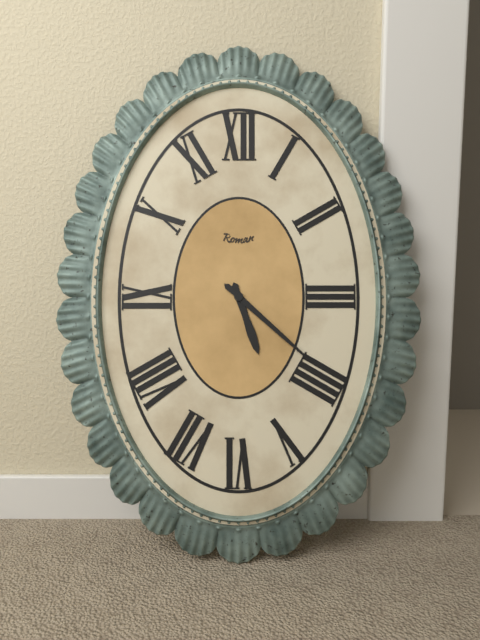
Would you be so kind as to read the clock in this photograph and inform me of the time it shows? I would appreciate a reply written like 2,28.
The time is 5,22
